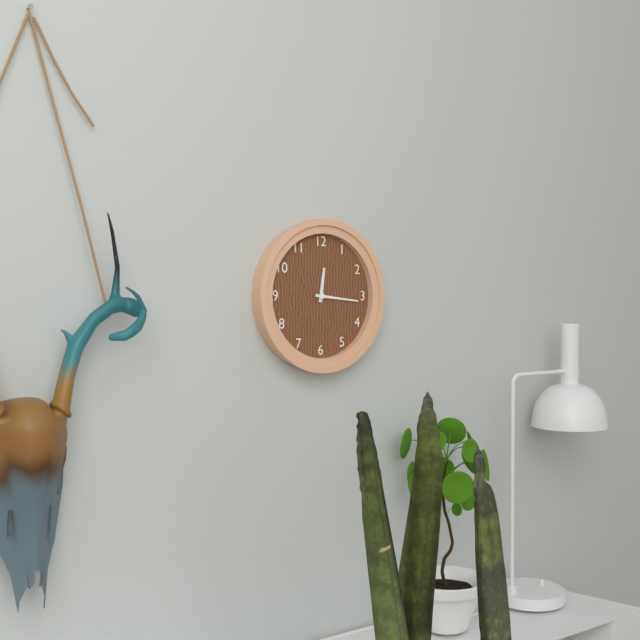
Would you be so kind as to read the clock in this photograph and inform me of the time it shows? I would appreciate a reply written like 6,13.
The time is 12,16
